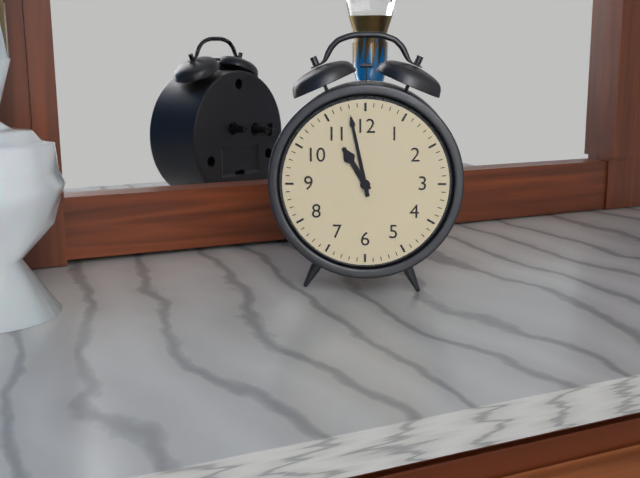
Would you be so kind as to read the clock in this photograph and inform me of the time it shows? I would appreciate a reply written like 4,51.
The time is 10,58
